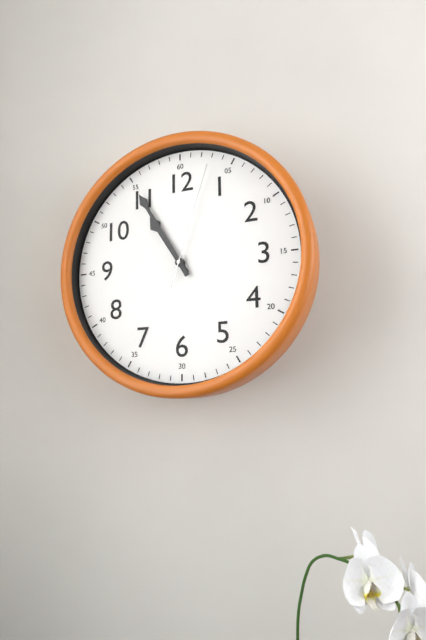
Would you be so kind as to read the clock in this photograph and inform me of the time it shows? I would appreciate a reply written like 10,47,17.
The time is 10,55,03
